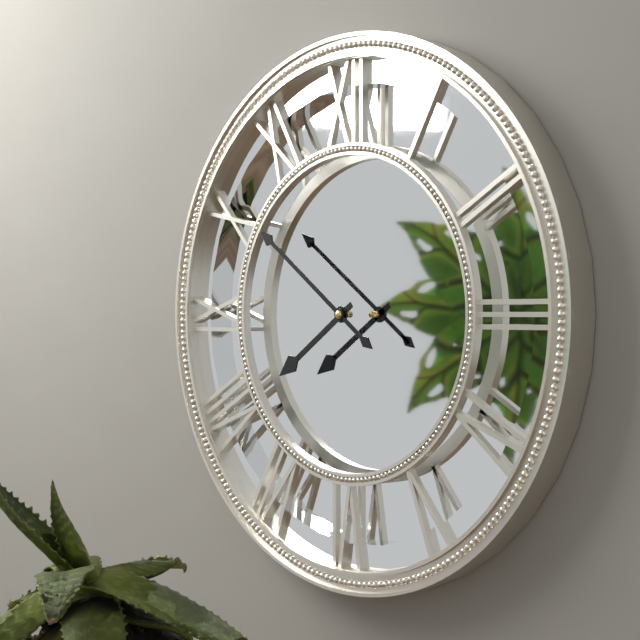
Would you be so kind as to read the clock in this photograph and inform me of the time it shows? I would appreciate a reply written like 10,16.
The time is 7,51
